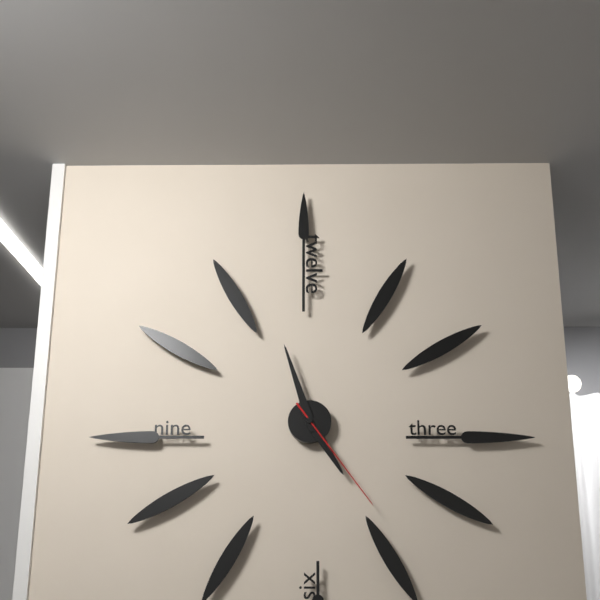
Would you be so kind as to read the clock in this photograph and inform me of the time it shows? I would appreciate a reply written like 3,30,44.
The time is 4,57,24
